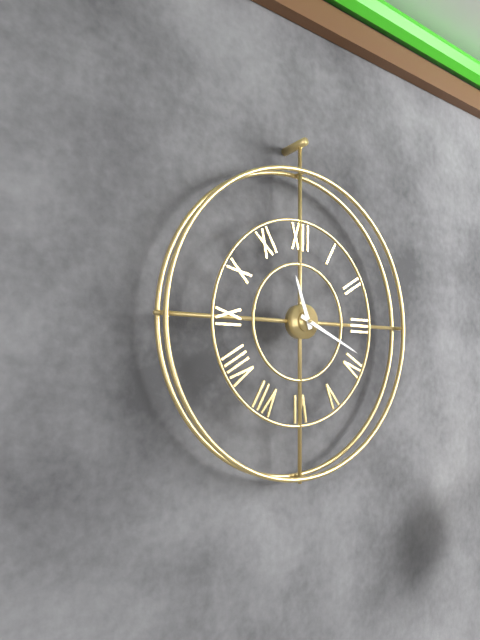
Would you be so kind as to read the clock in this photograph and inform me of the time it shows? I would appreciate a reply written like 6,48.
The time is 11,19
